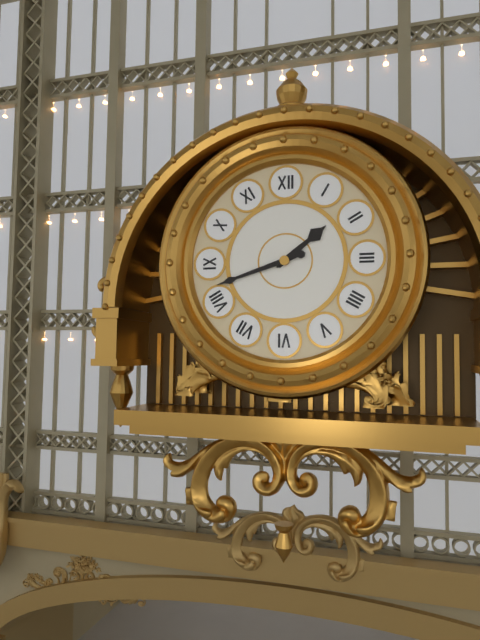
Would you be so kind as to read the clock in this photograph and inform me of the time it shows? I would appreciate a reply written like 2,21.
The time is 1,42
